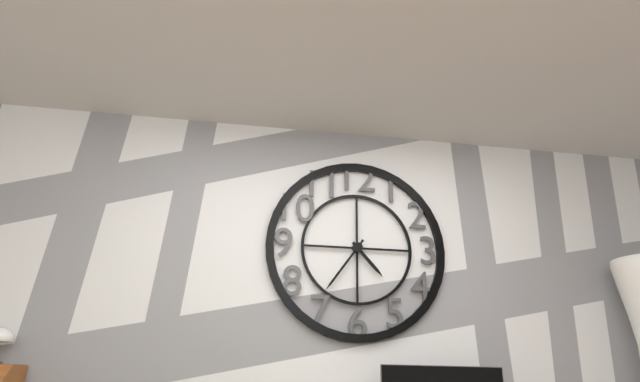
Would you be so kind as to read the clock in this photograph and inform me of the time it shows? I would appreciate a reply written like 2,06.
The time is 4,36
